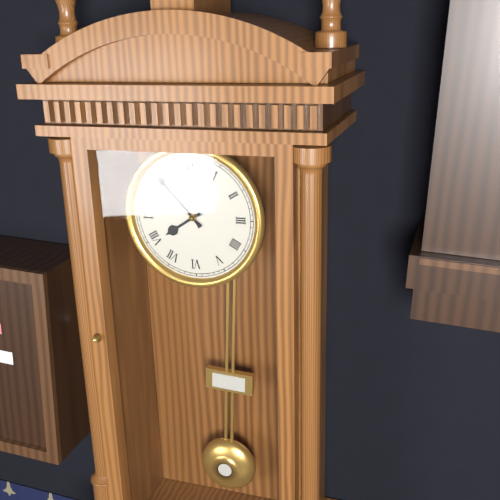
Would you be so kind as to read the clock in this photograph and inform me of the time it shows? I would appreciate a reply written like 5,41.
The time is 7,53
